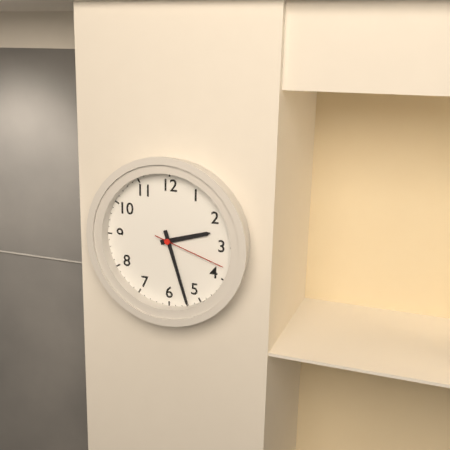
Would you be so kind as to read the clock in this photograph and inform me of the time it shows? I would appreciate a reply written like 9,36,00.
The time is 2,27,18
